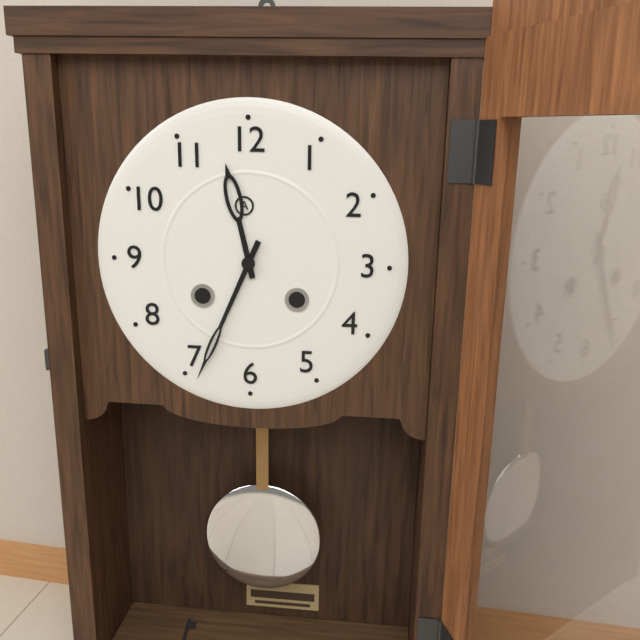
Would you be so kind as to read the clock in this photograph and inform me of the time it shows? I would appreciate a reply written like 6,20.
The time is 11,34
